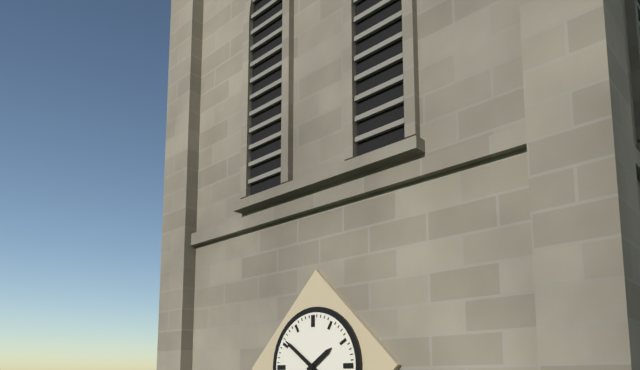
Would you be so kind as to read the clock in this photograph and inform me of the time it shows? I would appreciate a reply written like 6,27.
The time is 1,51
